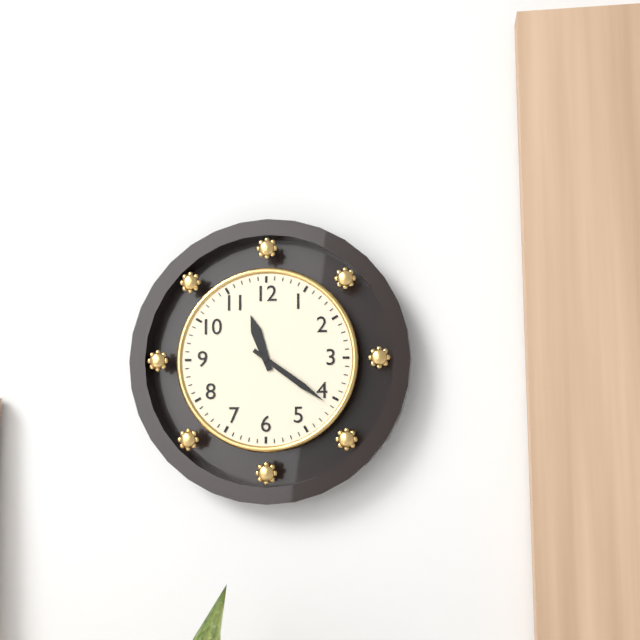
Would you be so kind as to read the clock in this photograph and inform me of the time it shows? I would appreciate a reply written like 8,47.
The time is 11,21
